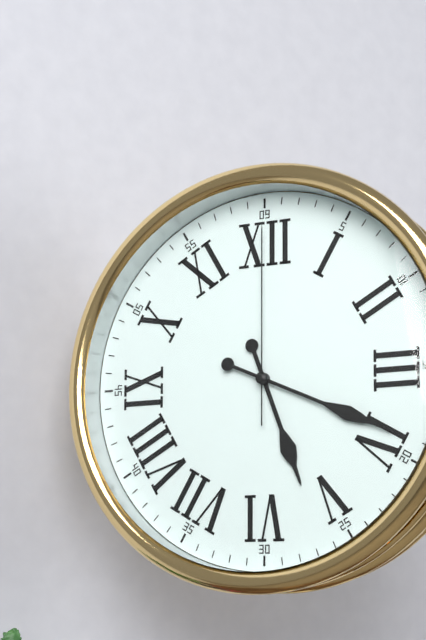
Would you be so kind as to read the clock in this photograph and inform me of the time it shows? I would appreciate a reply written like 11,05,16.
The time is 5,19,00
